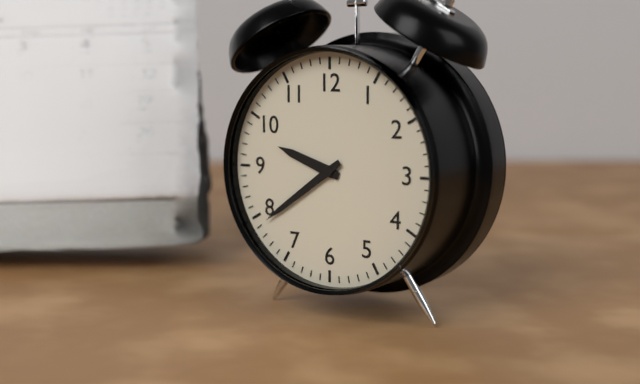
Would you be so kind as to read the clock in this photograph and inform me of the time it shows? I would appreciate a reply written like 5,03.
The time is 9,39
